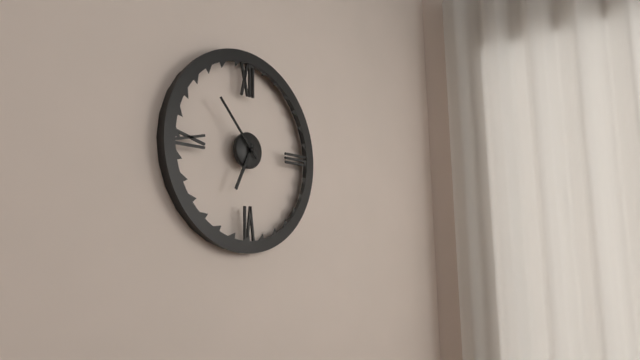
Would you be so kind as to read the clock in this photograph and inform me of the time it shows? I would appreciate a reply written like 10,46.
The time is 6,53
